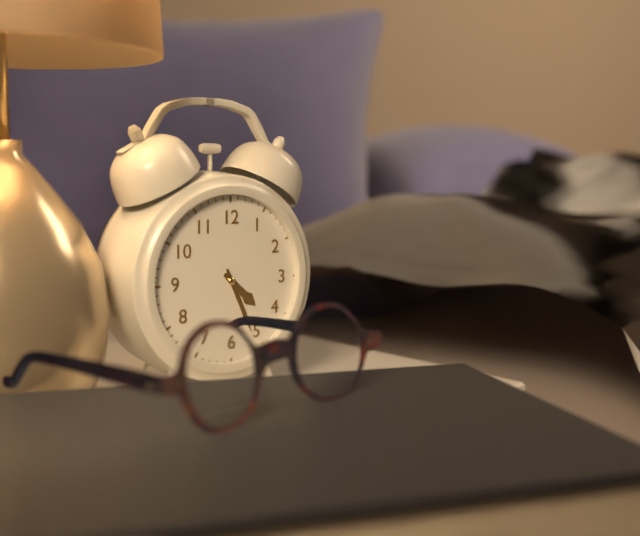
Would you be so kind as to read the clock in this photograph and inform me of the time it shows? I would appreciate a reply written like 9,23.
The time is 4,26
